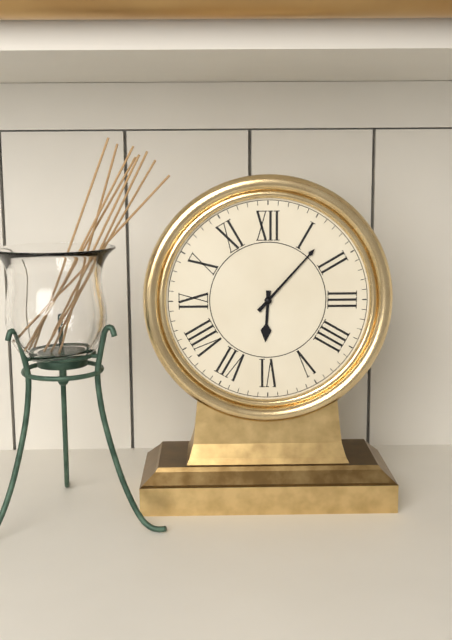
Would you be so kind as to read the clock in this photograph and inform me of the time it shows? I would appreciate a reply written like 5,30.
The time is 6,07
